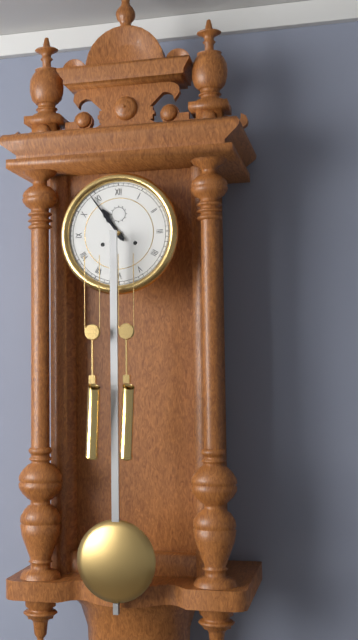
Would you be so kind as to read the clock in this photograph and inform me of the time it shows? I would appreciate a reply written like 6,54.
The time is 10,54
